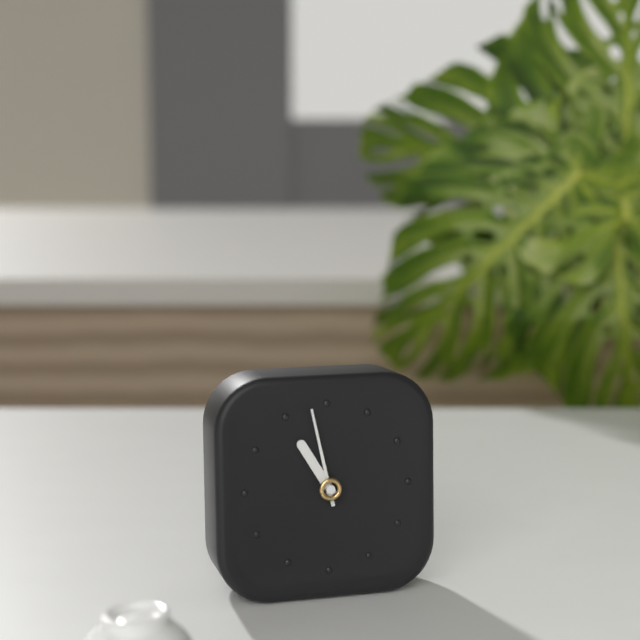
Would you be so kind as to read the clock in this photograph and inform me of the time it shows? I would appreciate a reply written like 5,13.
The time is 10,58
